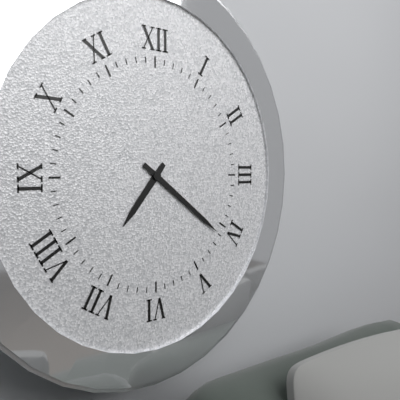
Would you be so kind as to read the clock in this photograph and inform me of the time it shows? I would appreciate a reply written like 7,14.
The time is 7,21
